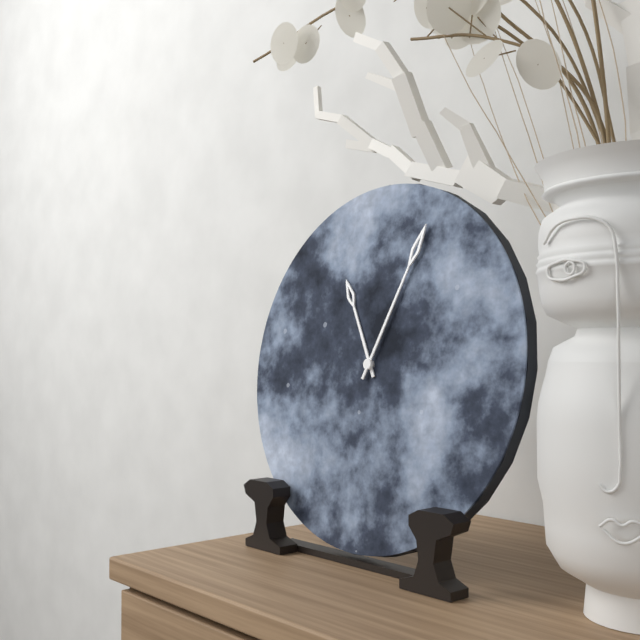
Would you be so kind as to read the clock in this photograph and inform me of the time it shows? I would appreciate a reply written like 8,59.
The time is 11,04
